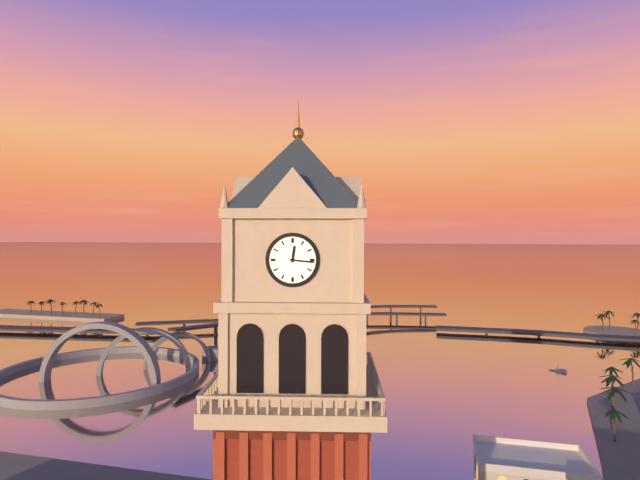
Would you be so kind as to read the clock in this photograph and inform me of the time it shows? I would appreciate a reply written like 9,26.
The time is 12,16
